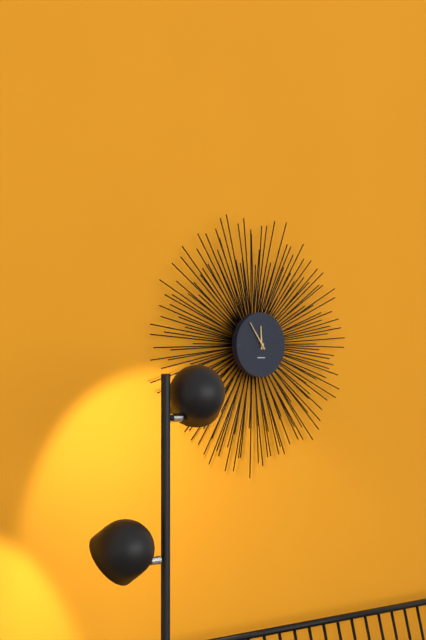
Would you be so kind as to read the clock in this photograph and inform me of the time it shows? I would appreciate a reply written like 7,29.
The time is 11,54
